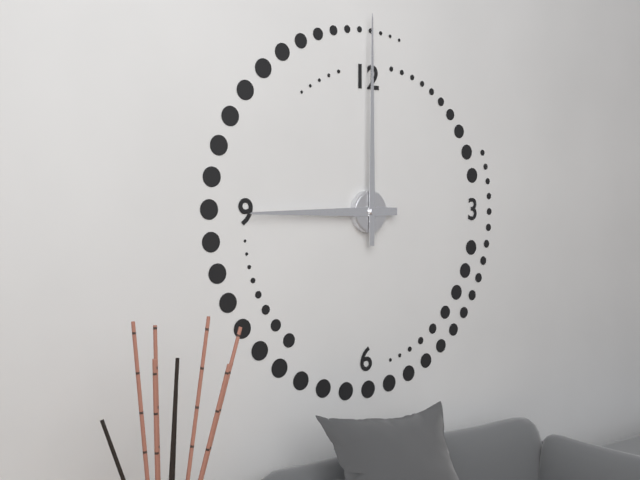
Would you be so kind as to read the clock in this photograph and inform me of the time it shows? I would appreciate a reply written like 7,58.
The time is 9,00
